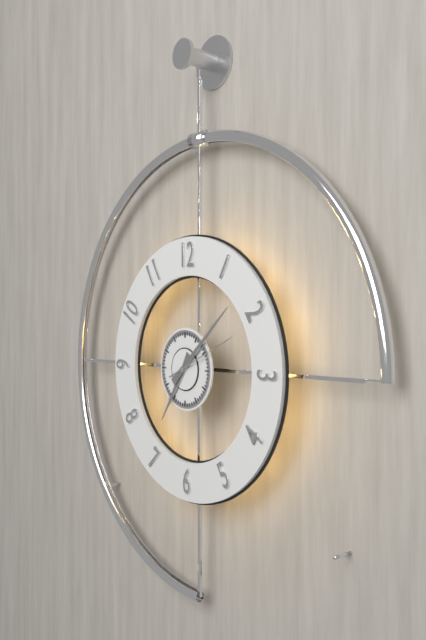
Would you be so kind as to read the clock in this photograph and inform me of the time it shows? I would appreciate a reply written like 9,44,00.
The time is 7,08,11
